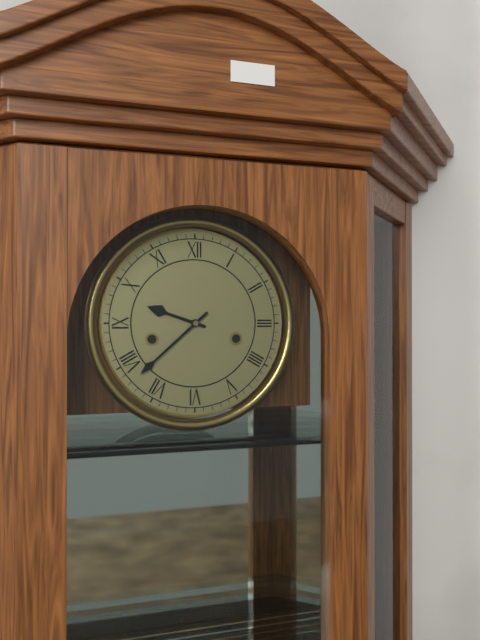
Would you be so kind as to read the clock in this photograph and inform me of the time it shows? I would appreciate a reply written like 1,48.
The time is 9,38
